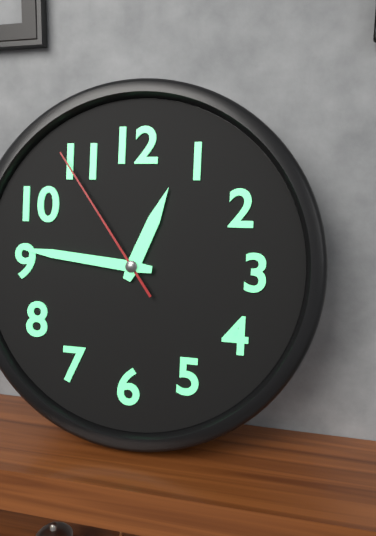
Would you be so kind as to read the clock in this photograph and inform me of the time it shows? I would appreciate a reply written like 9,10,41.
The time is 12,46,54
